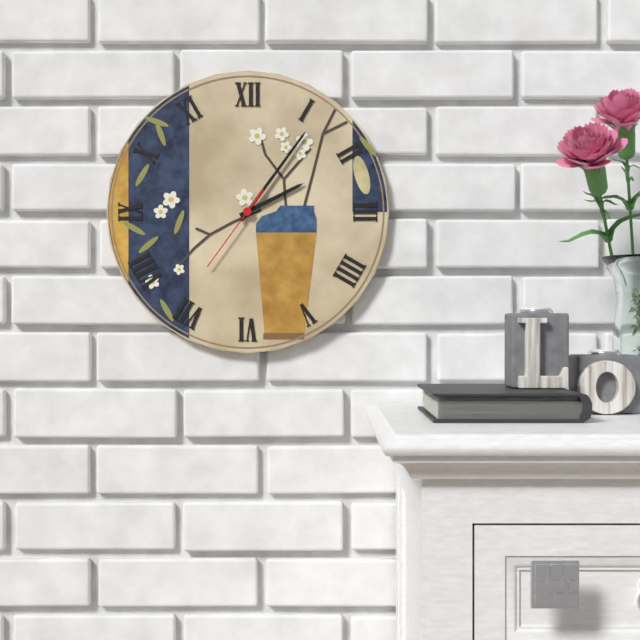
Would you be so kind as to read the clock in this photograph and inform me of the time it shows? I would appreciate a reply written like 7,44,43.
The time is 2,06,36
